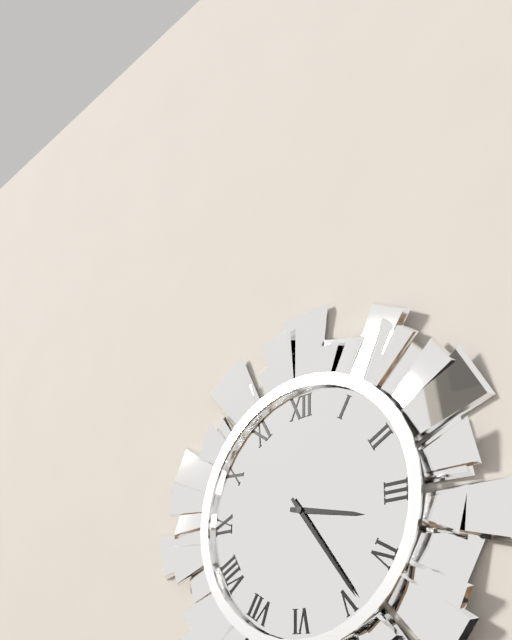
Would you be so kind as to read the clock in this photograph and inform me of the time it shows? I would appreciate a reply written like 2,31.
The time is 3,24
